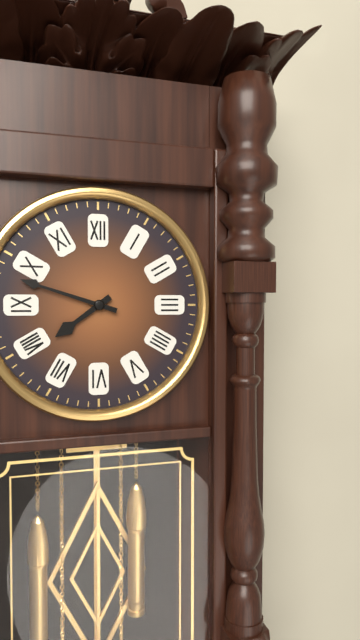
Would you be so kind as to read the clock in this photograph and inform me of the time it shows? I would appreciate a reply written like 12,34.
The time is 7,48
